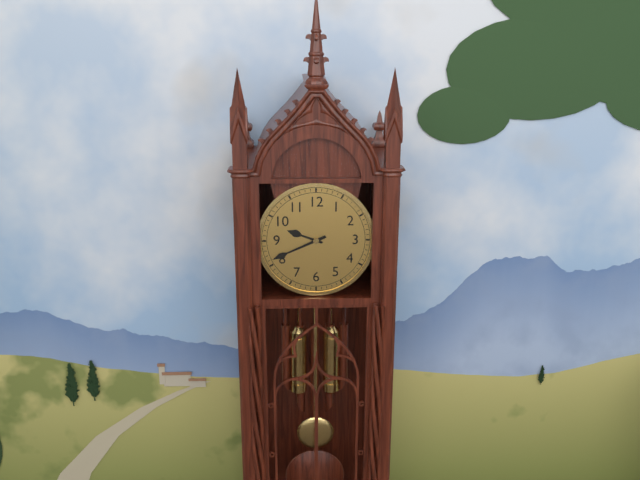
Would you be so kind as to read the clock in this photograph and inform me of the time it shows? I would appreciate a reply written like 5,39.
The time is 9,41
